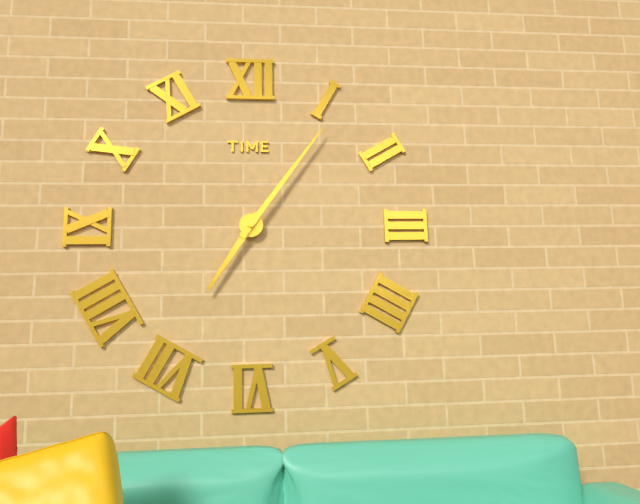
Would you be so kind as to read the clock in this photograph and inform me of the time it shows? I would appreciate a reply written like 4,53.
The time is 7,06
